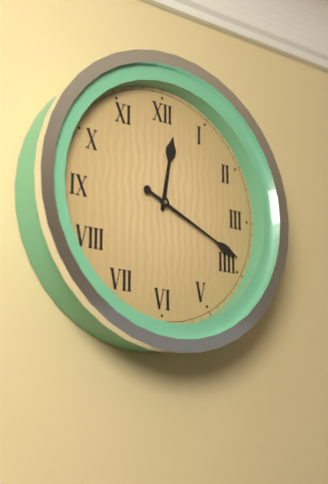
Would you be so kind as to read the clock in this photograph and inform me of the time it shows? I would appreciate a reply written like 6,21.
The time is 12,19
